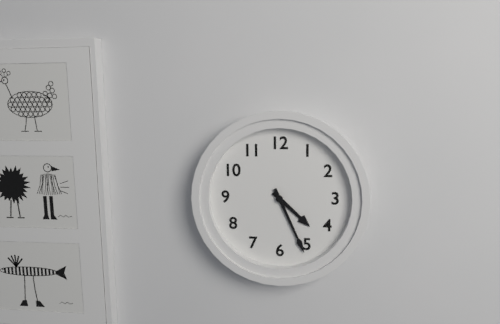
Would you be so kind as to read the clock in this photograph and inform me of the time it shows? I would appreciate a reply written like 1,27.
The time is 4,26
